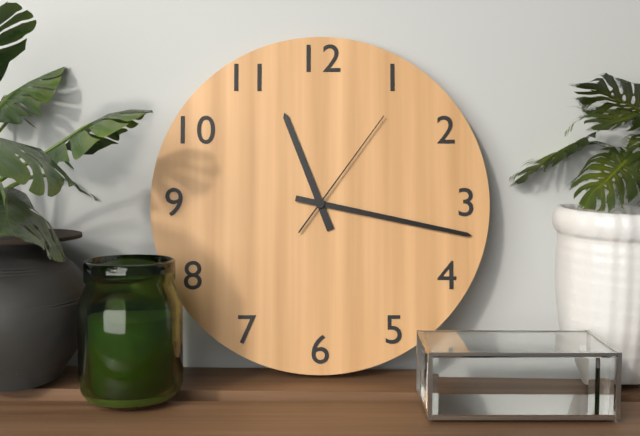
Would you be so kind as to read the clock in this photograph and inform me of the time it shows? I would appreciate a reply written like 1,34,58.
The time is 11,17,06
